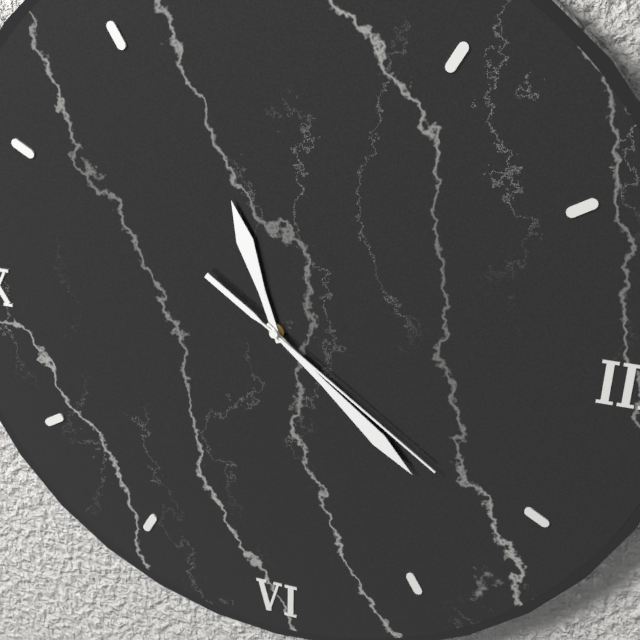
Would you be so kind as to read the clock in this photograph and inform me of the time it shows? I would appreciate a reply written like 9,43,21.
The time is 11,22,21
